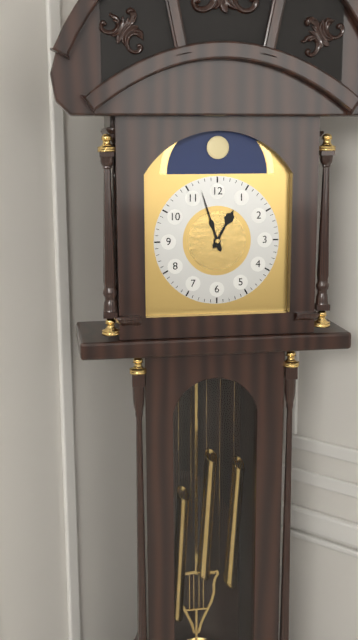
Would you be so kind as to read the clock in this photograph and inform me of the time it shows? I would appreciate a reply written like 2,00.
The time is 12,57
